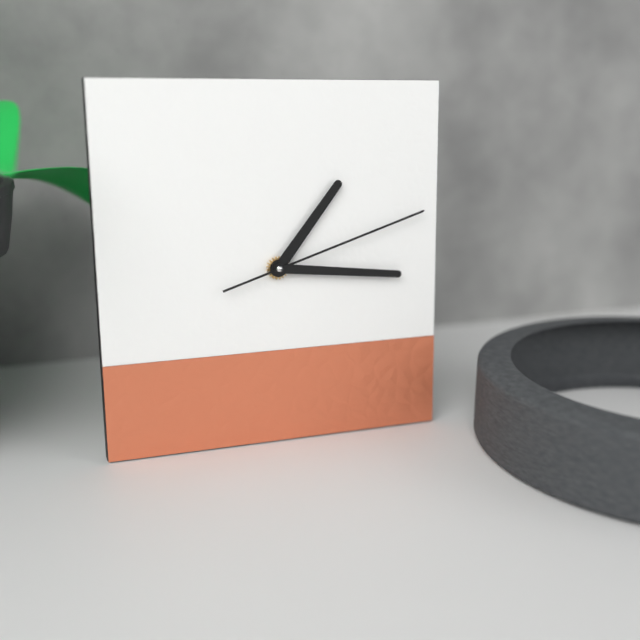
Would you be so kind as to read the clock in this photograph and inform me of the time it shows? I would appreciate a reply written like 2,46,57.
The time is 1,16,12
